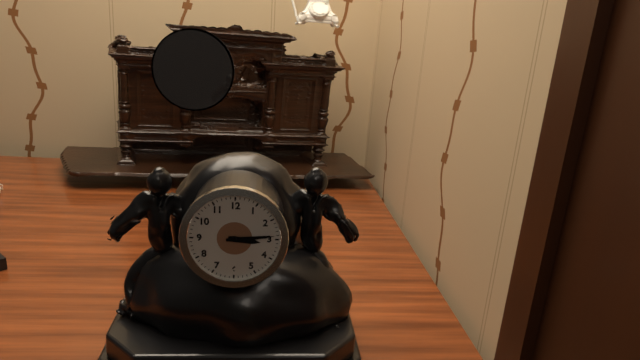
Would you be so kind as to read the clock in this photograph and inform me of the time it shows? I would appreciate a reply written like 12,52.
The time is 3,14
